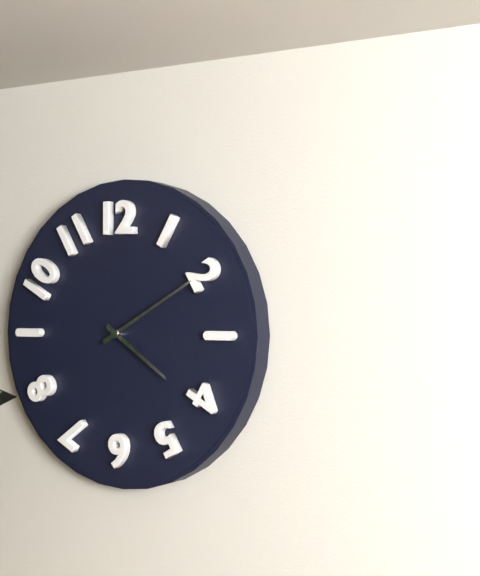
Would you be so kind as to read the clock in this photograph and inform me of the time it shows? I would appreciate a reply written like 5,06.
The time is 4,10
